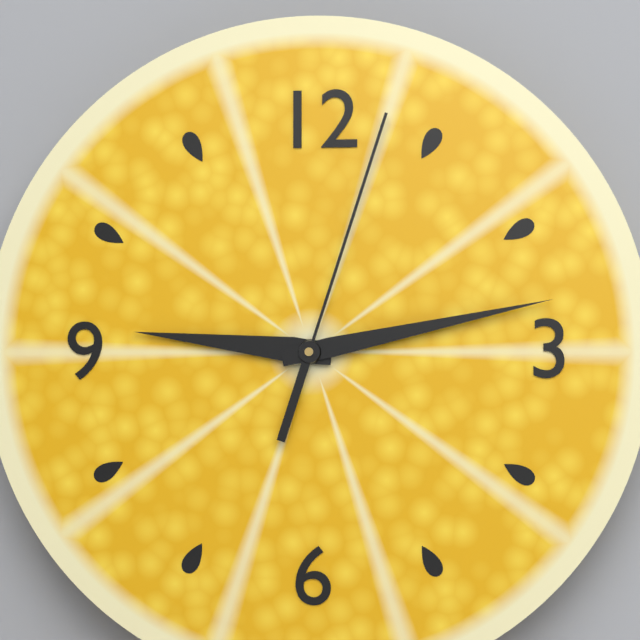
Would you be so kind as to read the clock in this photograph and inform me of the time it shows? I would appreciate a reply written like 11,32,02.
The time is 9,13,03
